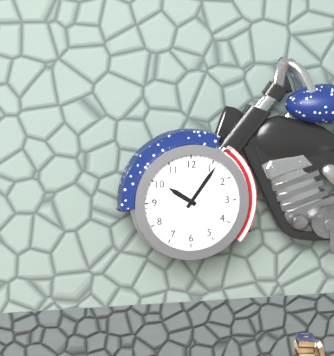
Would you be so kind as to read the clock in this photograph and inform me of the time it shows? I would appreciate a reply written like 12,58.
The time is 10,06
